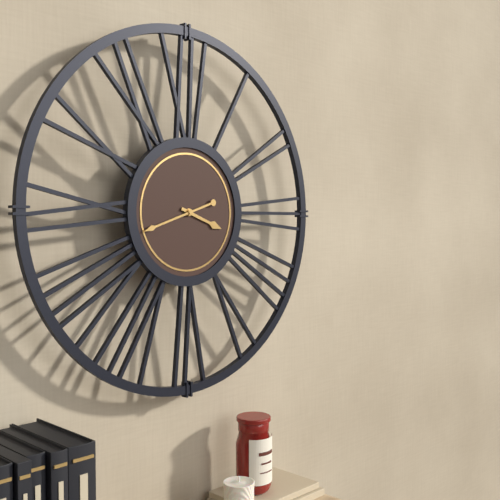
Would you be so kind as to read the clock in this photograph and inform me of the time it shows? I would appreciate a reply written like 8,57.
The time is 3,42
